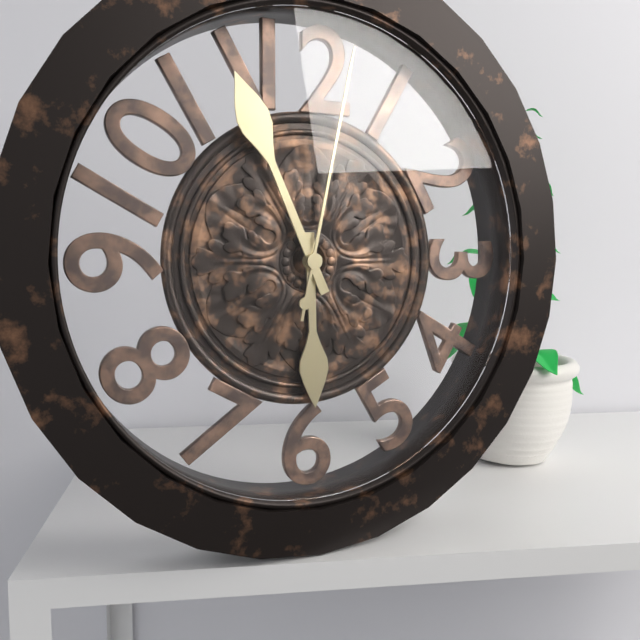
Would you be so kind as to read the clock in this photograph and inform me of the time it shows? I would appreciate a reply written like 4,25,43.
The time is 5,56,02
